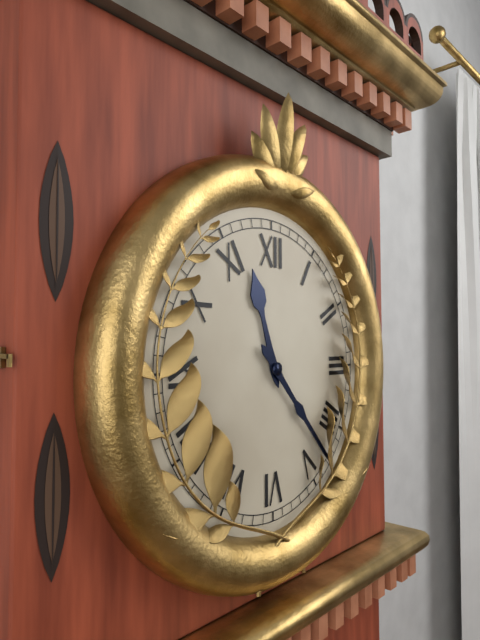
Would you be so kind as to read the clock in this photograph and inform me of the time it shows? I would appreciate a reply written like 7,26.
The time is 11,23
